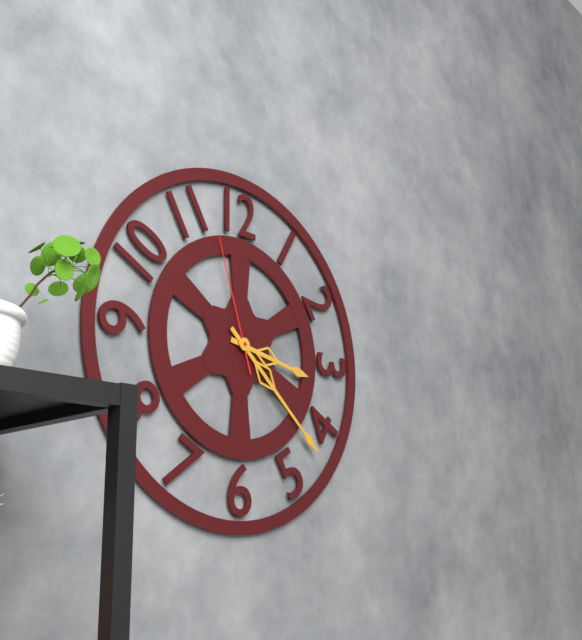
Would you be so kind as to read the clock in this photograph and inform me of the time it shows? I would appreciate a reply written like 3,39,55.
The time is 3,22,57
